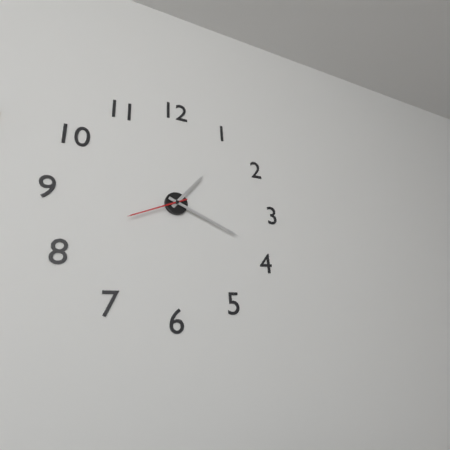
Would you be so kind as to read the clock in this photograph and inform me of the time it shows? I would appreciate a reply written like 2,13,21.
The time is 1,19,41
